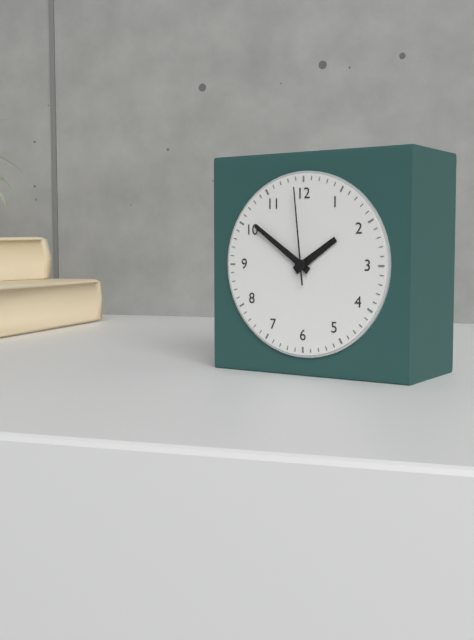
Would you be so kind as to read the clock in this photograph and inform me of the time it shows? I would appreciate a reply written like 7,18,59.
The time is 1,51,59
